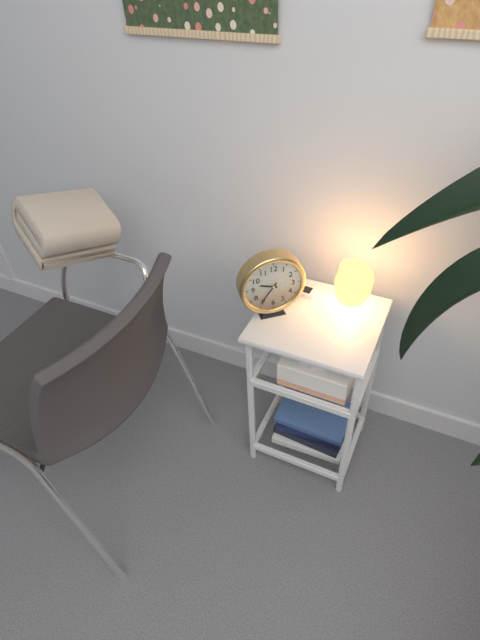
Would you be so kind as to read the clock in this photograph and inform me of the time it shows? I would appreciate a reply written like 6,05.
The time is 9,36
